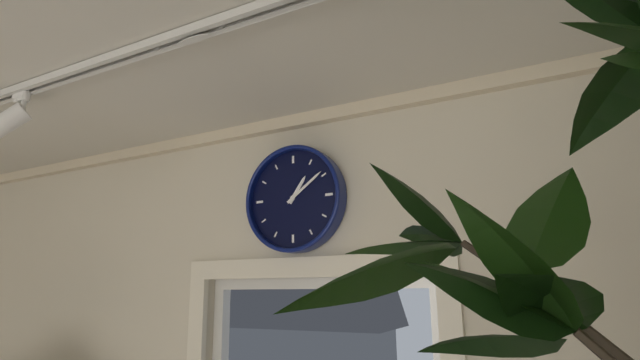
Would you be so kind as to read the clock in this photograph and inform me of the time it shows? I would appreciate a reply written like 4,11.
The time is 1,09
